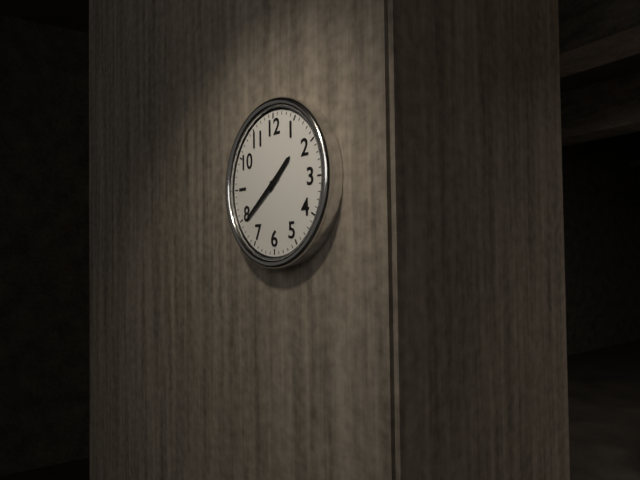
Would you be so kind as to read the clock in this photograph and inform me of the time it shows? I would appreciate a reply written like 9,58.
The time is 1,39
